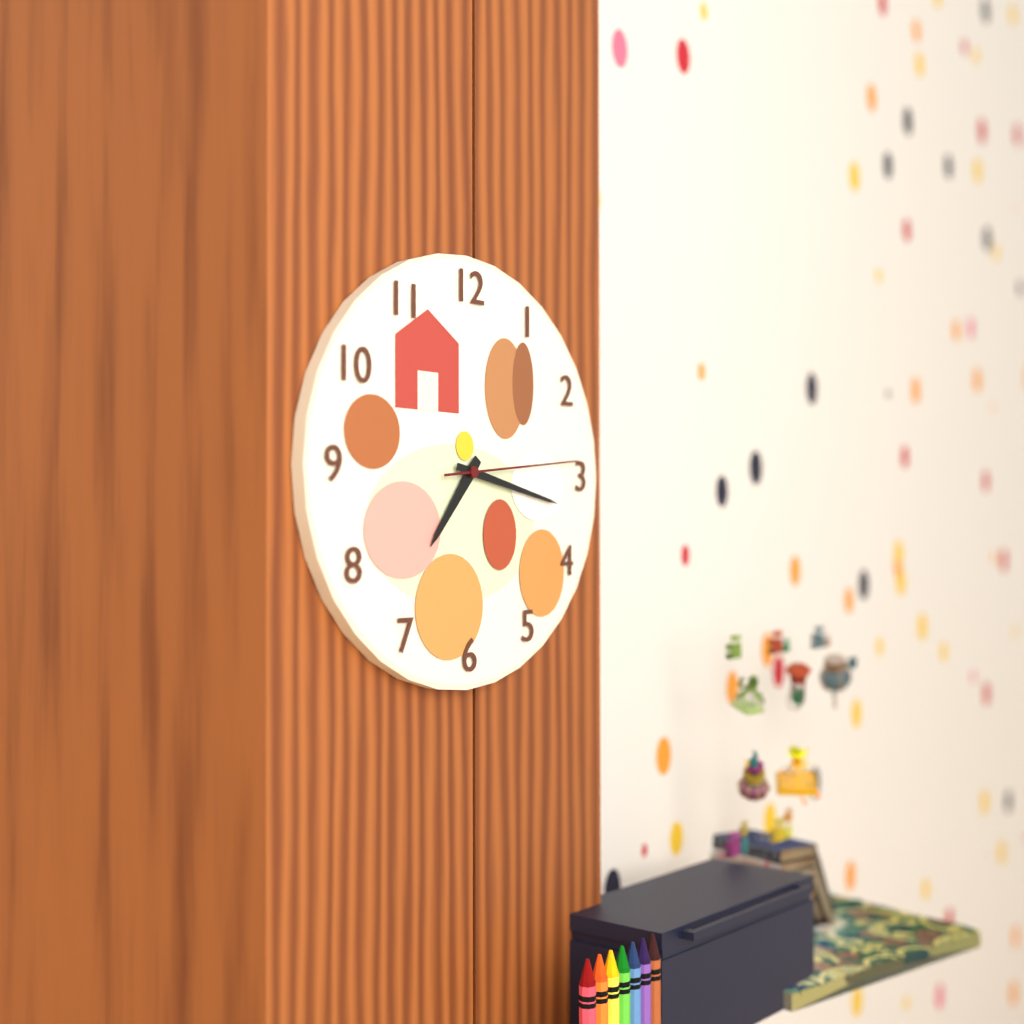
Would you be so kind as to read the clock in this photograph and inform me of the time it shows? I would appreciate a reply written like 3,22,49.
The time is 7,17,14
